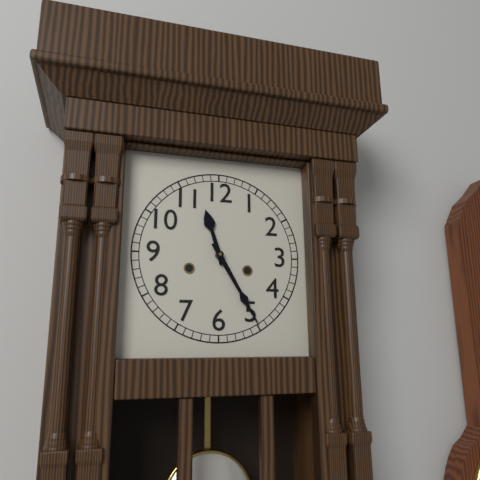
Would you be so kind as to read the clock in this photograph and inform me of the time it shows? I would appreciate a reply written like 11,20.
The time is 11,25
